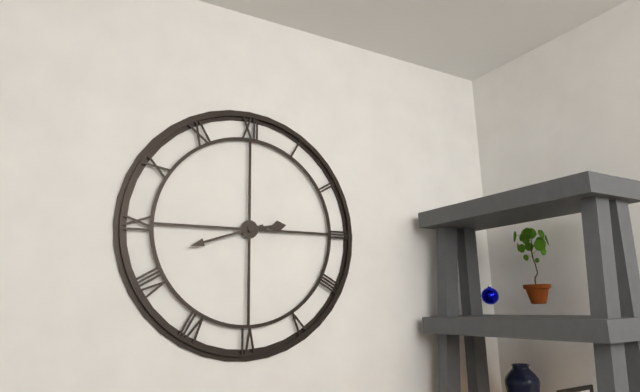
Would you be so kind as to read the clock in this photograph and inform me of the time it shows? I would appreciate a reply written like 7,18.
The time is 2,42
